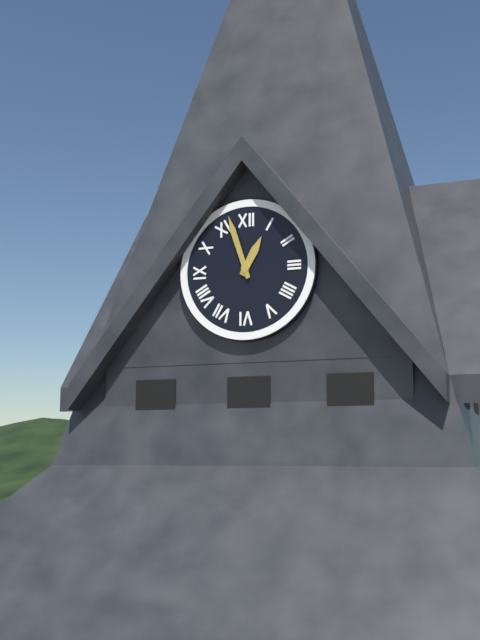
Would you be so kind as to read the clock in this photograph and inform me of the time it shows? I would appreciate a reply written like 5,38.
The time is 12,57
